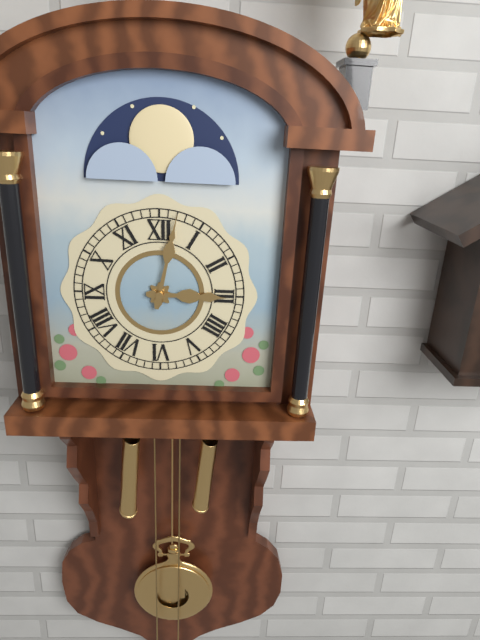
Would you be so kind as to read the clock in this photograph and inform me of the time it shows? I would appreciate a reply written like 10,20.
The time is 3,02
